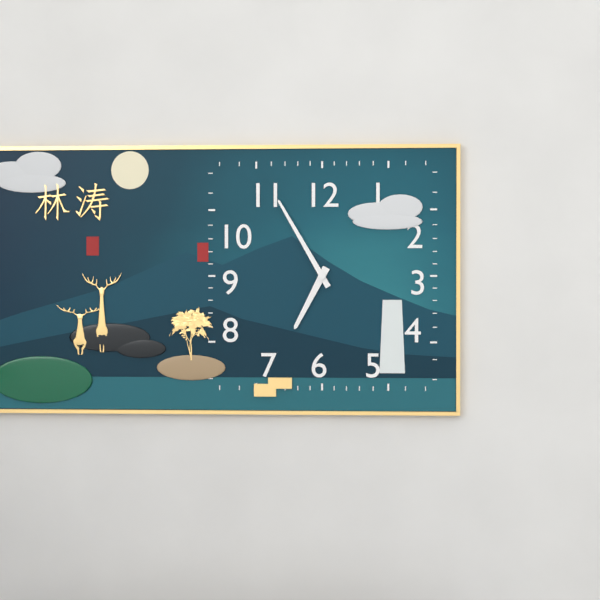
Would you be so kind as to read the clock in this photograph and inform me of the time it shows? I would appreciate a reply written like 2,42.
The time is 6,55
